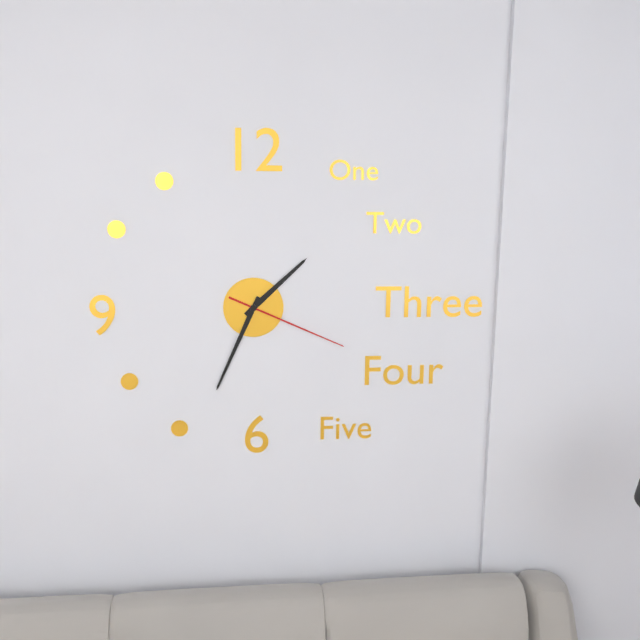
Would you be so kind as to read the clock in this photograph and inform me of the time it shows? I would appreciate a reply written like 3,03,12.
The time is 1,34,19
